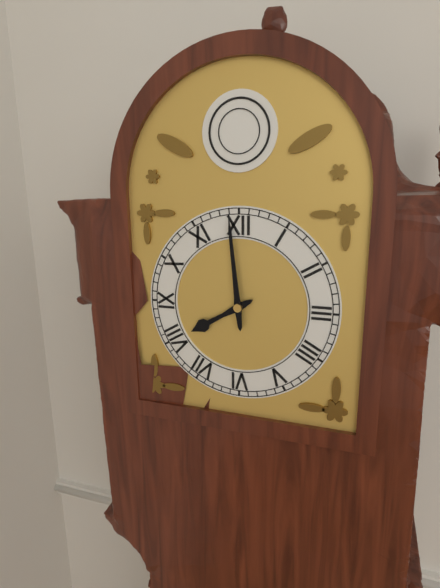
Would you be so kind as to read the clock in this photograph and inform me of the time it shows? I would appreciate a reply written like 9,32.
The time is 7,59
